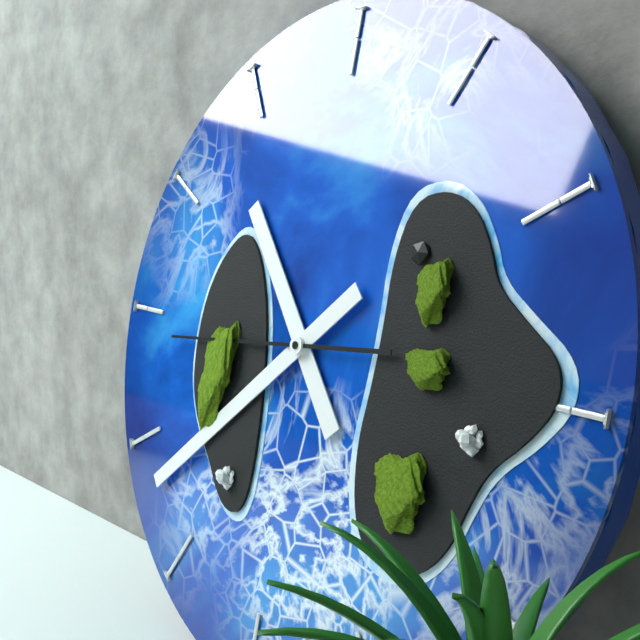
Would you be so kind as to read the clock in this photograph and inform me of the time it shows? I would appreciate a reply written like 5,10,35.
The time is 10,38,44
